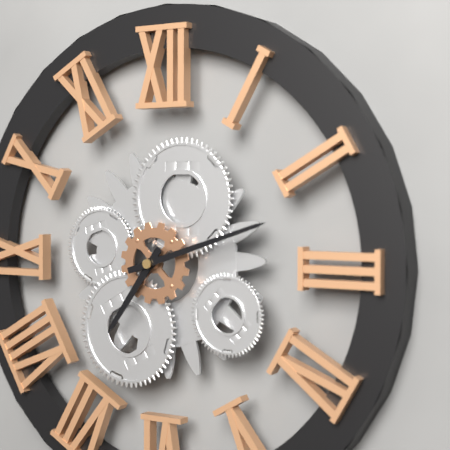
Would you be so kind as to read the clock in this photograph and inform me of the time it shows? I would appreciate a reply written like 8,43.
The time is 7,12
